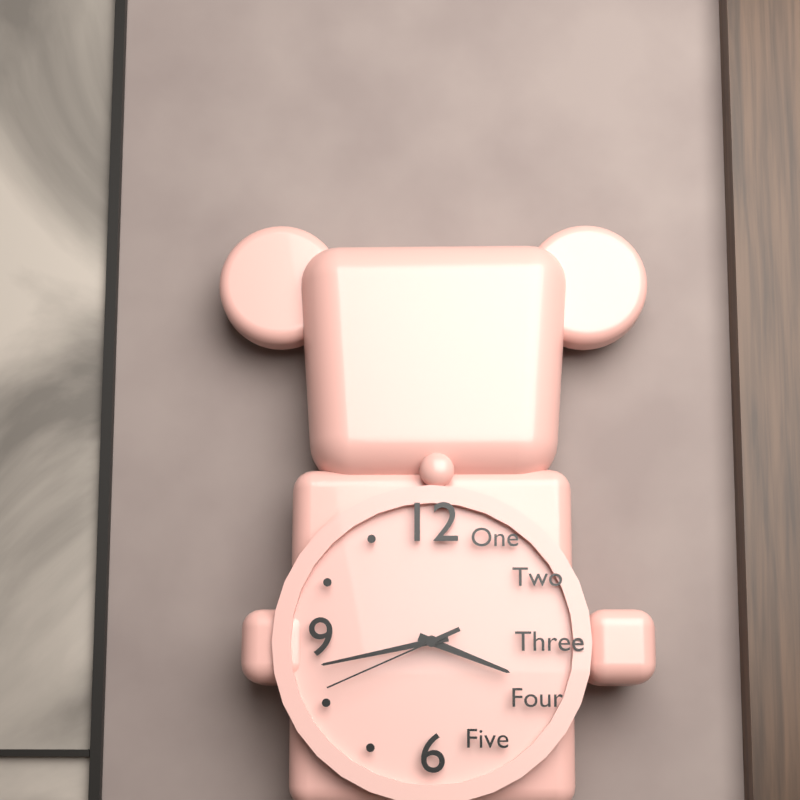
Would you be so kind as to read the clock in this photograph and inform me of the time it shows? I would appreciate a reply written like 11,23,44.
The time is 3,43,41
